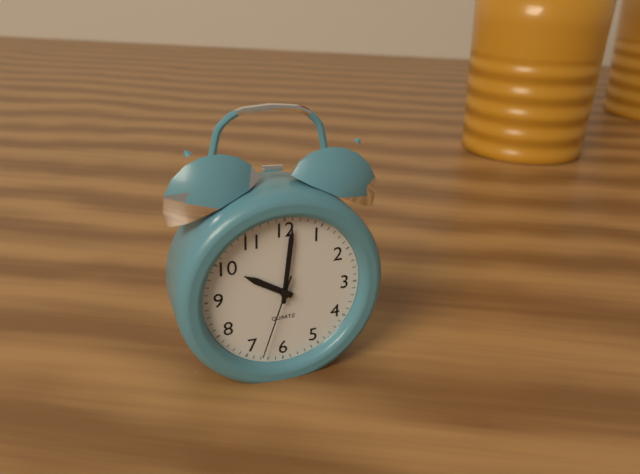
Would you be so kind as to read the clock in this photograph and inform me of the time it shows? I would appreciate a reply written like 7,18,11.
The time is 10,01,33
